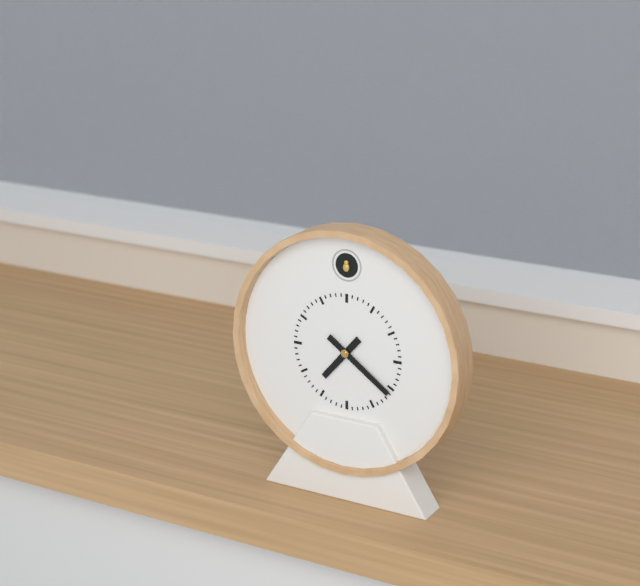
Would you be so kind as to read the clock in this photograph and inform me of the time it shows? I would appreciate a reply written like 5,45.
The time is 7,21
